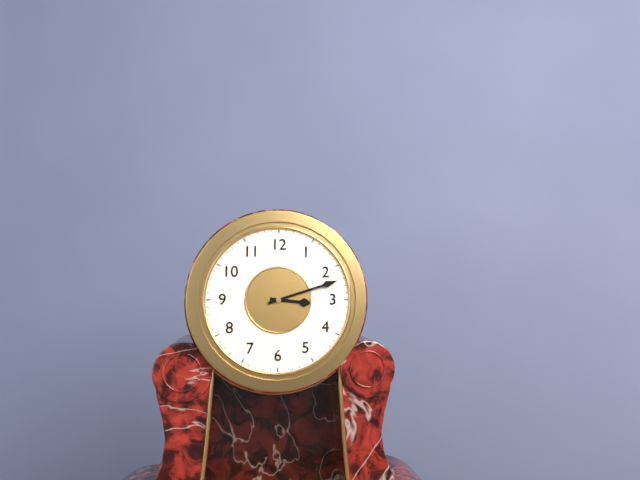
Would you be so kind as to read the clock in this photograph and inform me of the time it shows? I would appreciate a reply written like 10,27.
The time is 3,12
